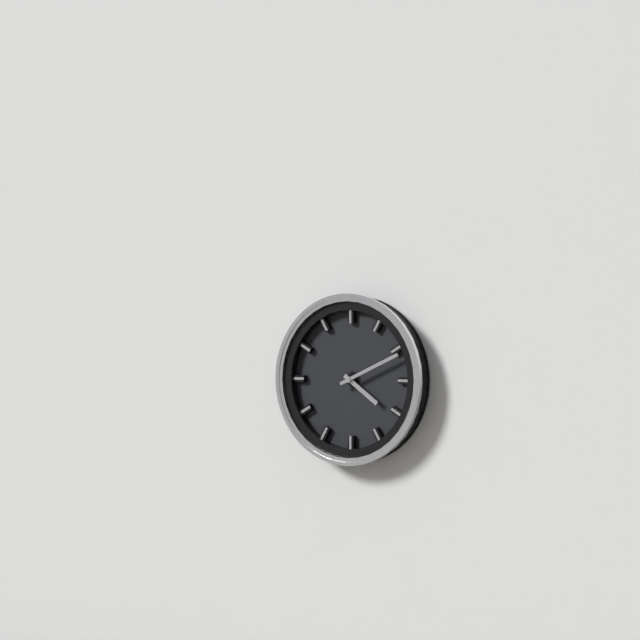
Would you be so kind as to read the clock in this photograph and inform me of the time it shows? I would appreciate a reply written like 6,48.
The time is 4,11
